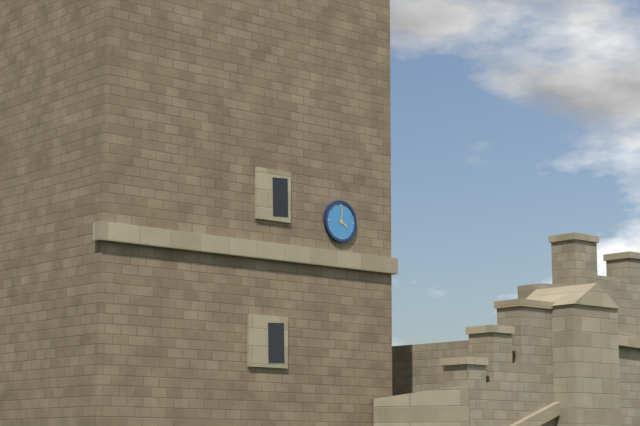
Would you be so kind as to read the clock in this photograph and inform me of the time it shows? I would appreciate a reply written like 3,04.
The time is 4,01
